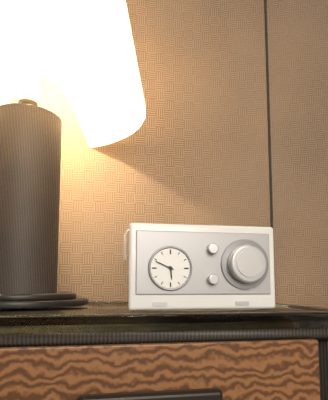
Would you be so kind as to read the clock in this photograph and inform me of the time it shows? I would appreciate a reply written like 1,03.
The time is 5,49
